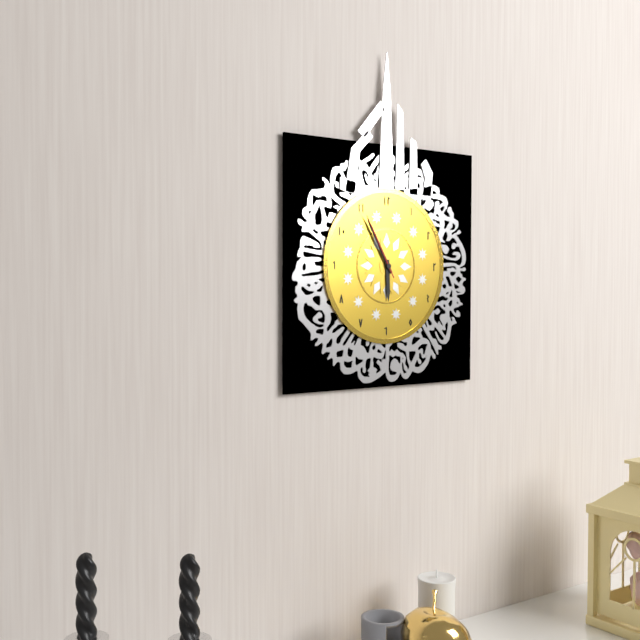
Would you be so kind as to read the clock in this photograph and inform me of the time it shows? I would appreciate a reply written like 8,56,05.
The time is 5,55,55
